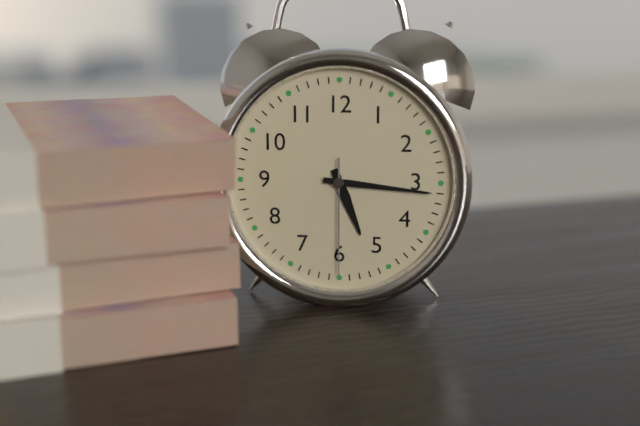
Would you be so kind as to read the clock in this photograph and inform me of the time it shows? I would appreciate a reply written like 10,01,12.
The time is 5,16,30
